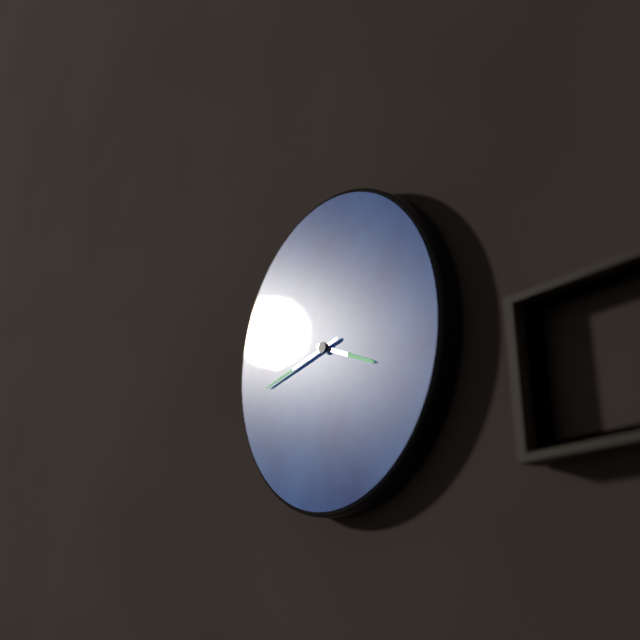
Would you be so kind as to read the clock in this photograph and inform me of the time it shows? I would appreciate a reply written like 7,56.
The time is 3,43
